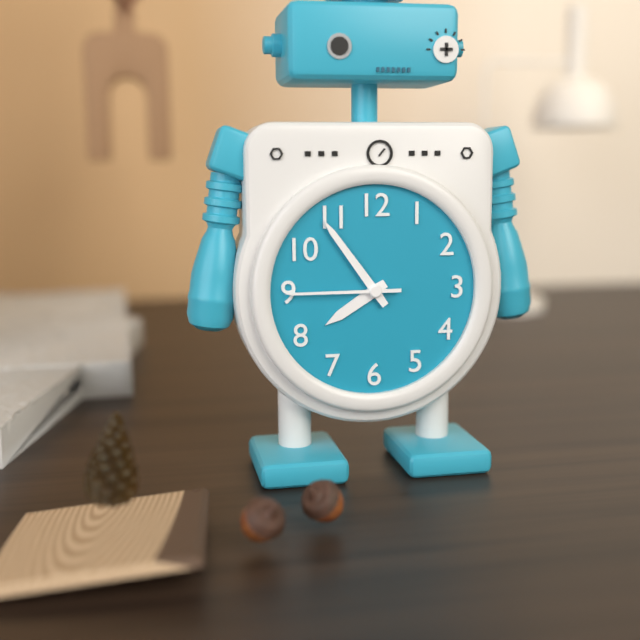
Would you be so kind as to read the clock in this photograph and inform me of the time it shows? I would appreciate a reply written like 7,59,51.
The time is 7,54,45
